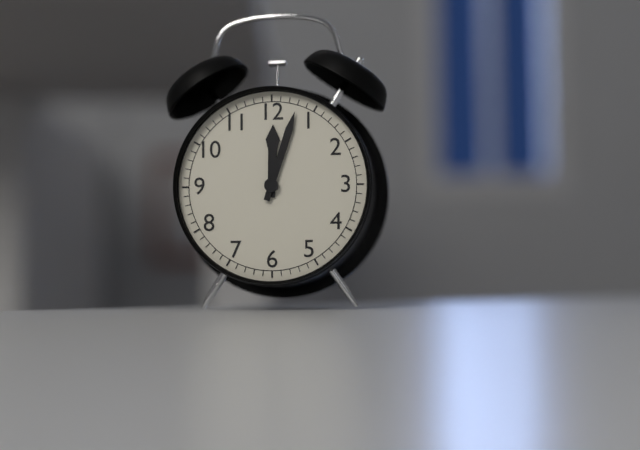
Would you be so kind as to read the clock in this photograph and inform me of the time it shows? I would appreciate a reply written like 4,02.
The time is 12,03
